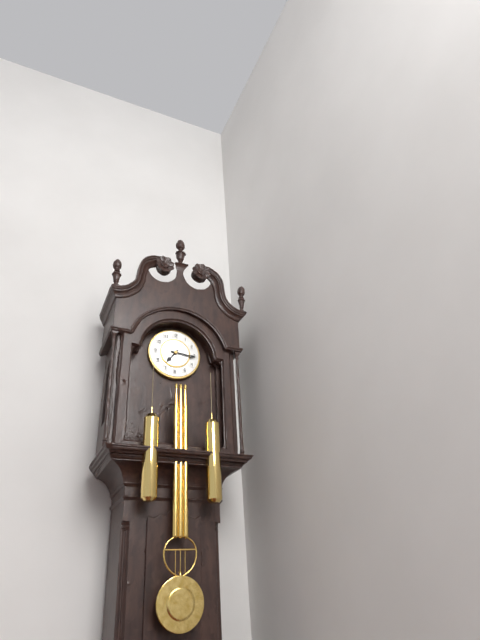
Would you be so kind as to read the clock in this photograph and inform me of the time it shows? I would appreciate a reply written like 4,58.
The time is 7,16
